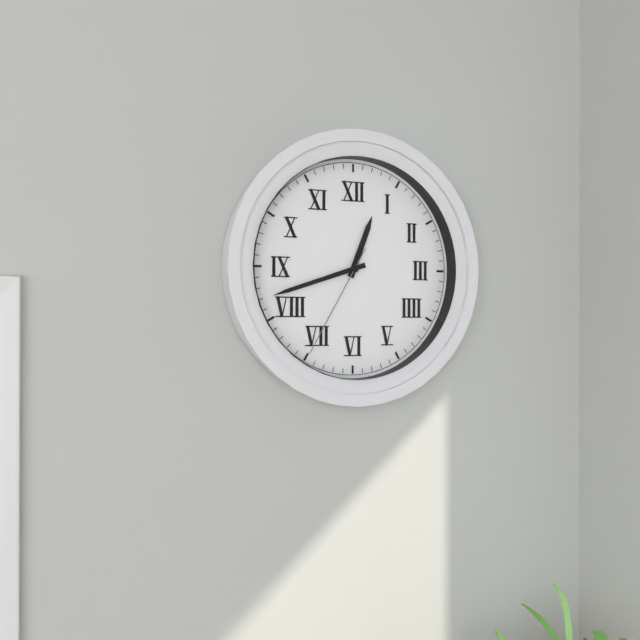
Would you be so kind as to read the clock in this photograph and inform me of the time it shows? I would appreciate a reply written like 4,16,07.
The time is 12,42,35
